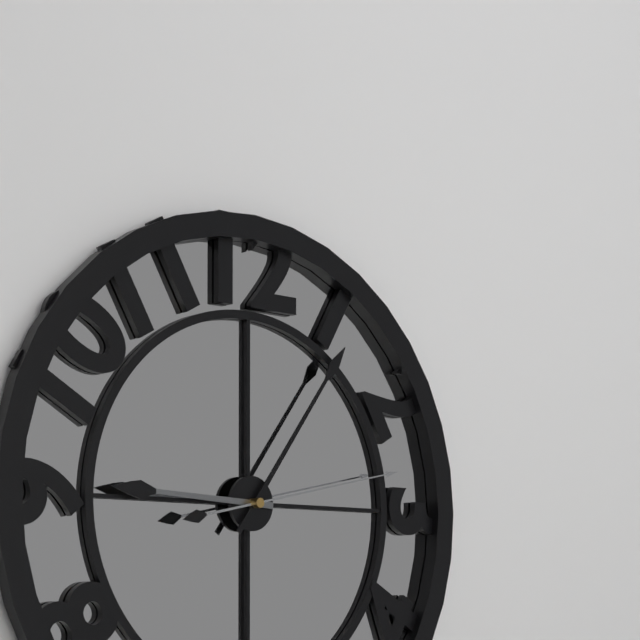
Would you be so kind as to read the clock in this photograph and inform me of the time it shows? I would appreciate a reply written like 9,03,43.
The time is 9,06,13
